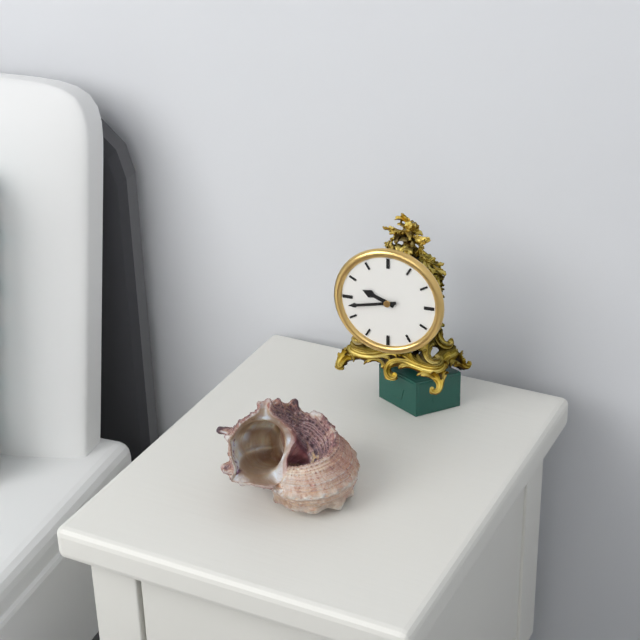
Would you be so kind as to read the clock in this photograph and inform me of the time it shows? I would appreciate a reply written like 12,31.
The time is 9,43
